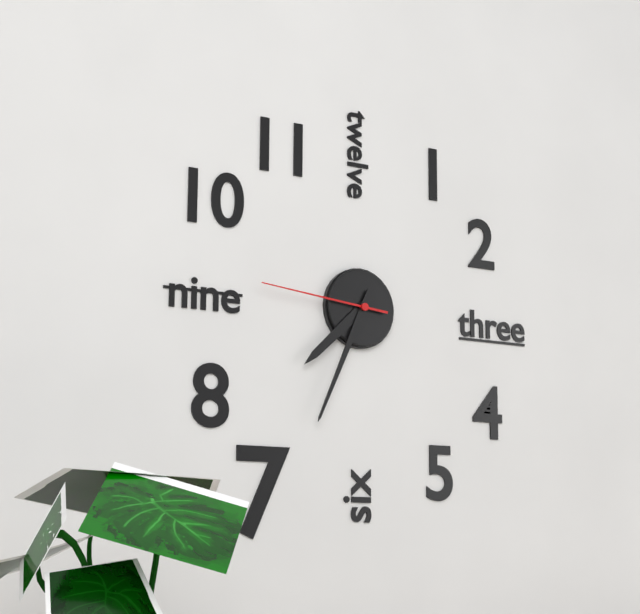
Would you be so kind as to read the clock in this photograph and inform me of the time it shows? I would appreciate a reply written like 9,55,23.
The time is 7,34,46
